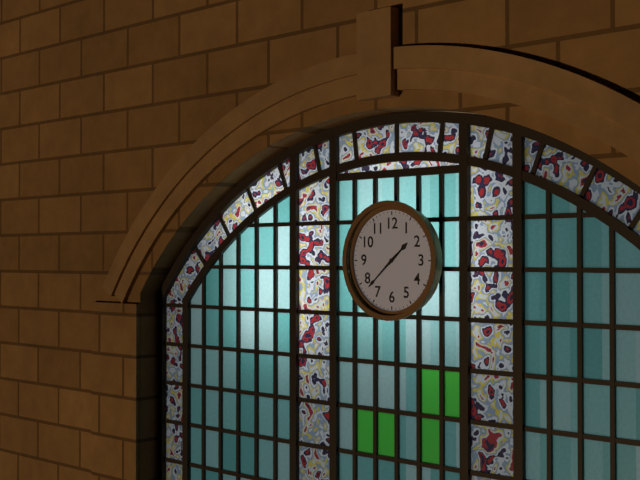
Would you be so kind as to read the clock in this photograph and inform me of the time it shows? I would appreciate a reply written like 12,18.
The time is 1,38
